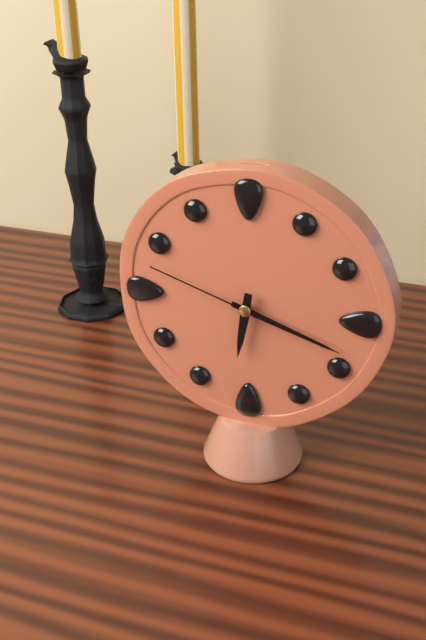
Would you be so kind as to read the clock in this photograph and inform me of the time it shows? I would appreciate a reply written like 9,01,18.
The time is 6,18,48
